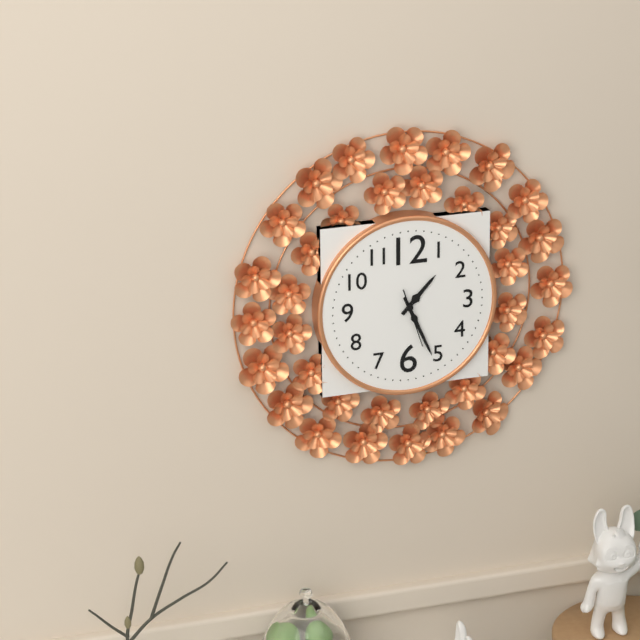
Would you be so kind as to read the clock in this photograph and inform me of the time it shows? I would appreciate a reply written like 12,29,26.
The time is 1,26,27
